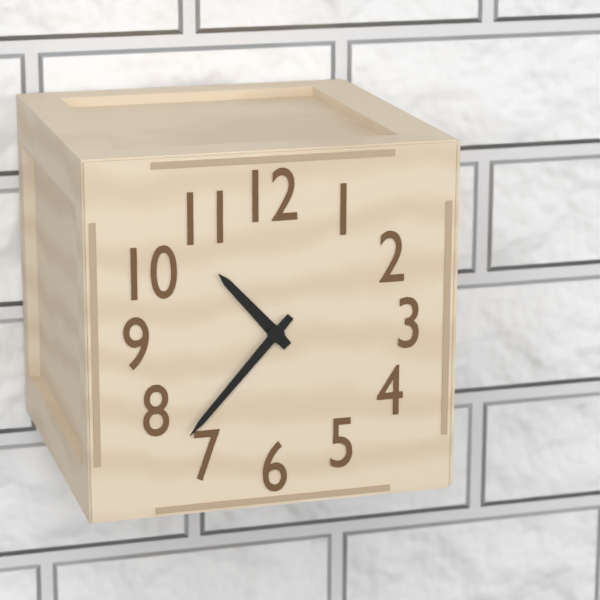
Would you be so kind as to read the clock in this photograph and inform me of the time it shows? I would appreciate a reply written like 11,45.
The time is 10,37
